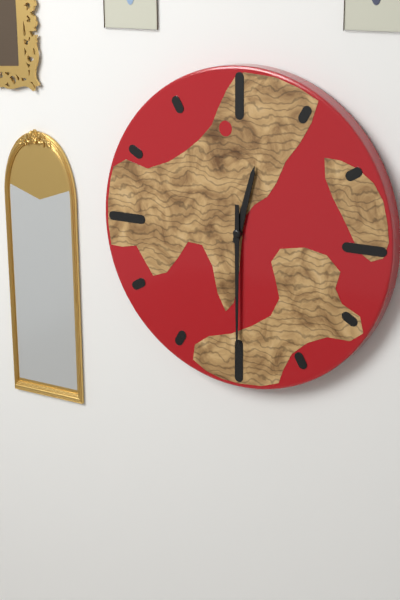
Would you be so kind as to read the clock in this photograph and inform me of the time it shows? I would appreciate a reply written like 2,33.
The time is 12,30
